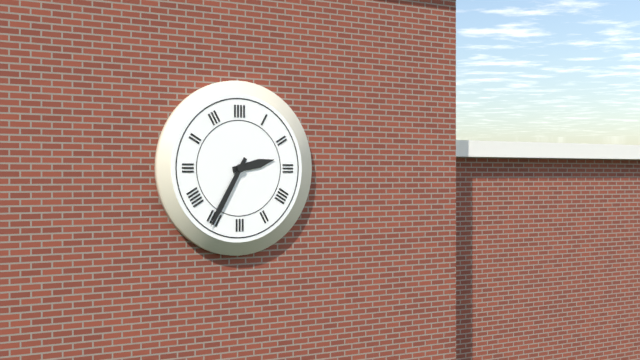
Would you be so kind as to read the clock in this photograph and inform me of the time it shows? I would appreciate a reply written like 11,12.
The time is 2,35
